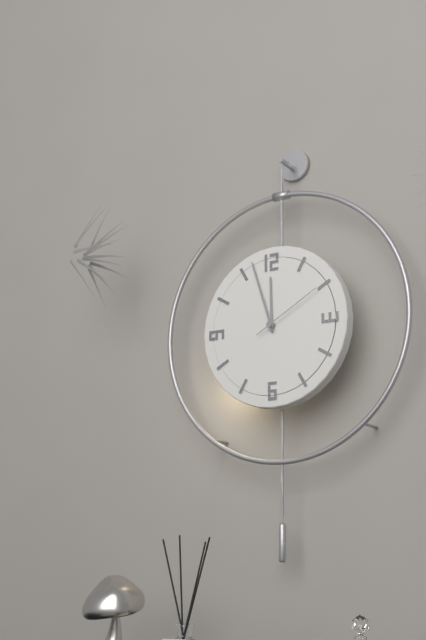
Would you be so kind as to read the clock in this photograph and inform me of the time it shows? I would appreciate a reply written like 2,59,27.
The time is 11,57,10
